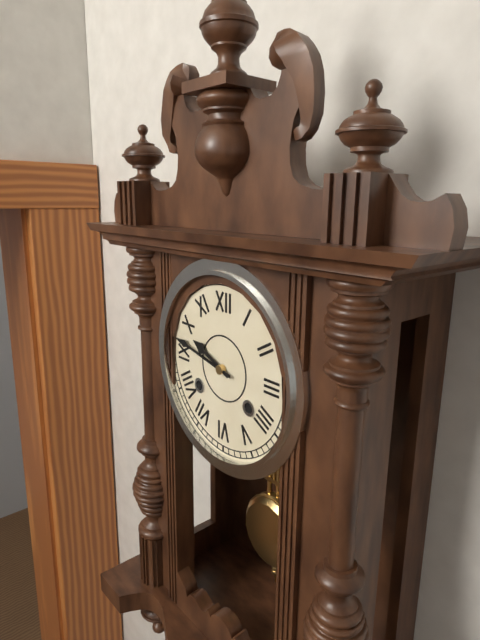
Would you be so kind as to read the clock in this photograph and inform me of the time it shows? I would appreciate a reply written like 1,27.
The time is 9,47
